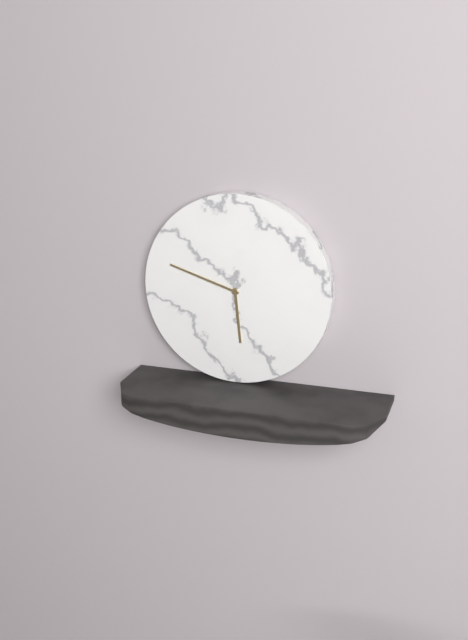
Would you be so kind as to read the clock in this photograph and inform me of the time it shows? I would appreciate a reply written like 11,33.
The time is 5,48
